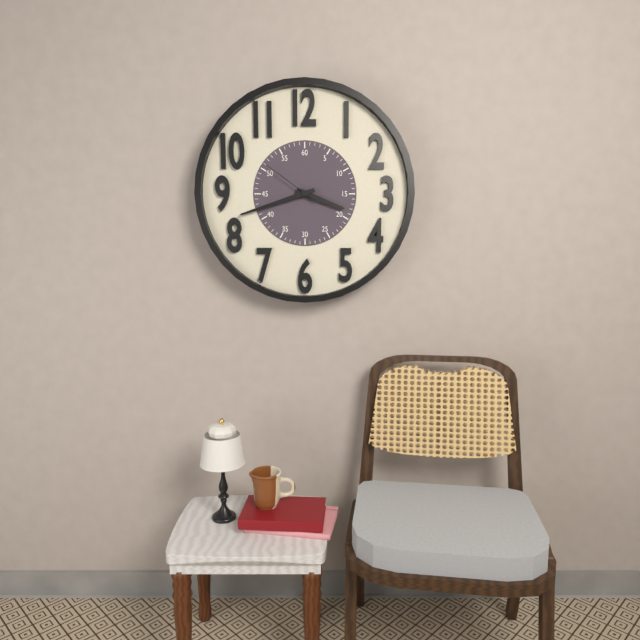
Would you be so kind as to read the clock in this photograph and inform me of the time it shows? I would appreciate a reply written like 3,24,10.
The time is 3,42,51
